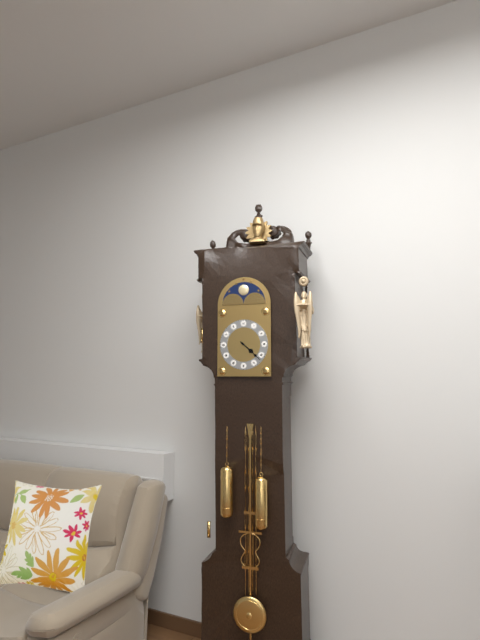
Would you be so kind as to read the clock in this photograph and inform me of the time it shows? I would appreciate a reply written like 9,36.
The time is 4,22
